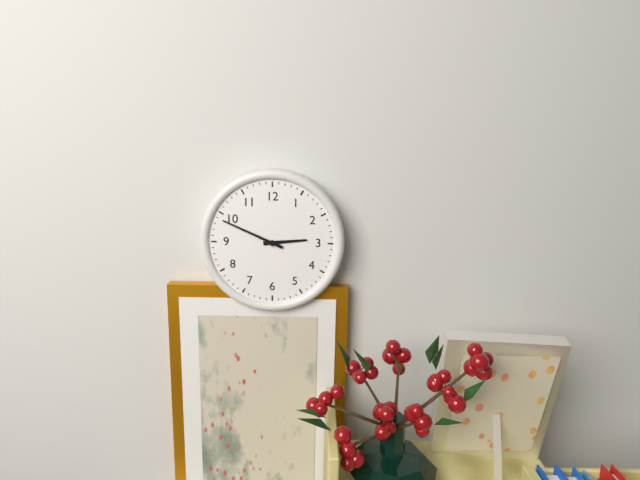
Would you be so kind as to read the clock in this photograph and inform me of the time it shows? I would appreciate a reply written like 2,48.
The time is 2,49
